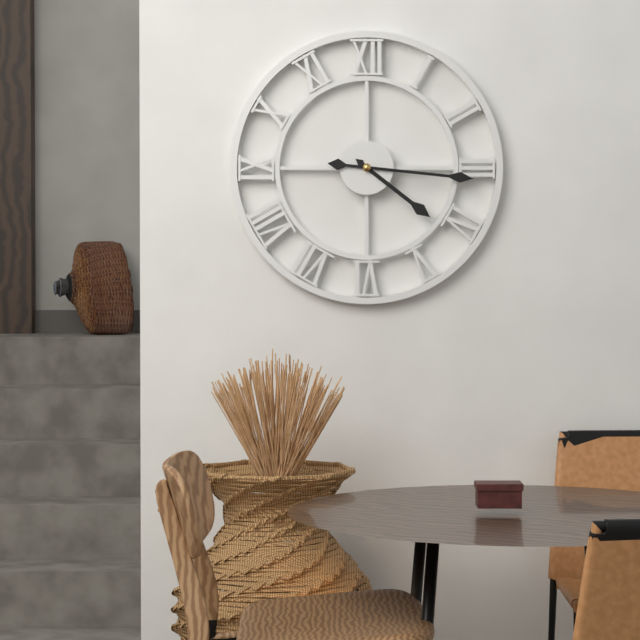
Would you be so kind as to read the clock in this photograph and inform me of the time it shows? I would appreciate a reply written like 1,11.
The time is 4,16
